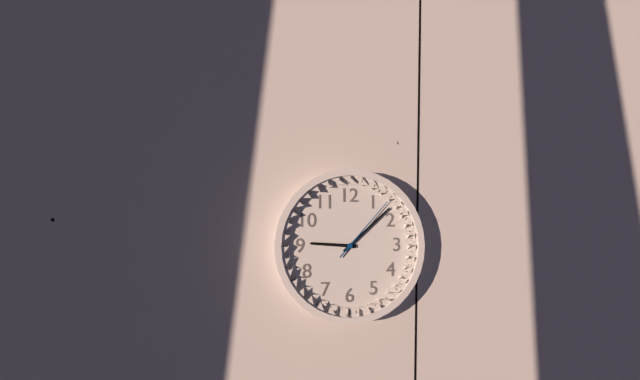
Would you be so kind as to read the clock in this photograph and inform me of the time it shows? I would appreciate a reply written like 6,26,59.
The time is 9,08,07
